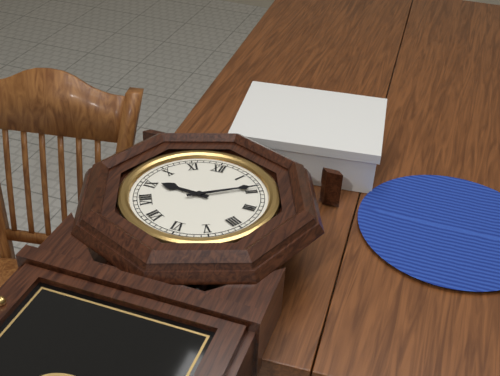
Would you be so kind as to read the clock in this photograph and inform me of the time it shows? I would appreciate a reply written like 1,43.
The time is 9,09
